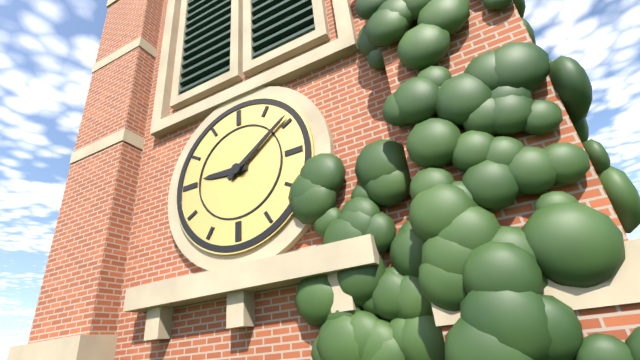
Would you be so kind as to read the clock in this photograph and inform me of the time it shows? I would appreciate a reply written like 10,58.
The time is 9,09
